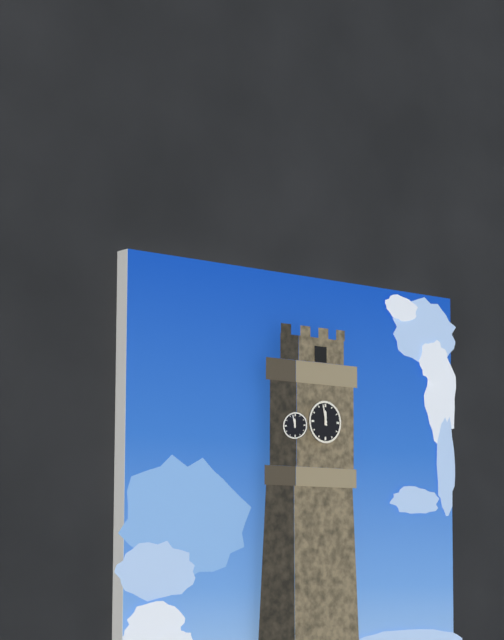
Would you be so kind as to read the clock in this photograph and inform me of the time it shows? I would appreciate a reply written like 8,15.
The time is 11,58
